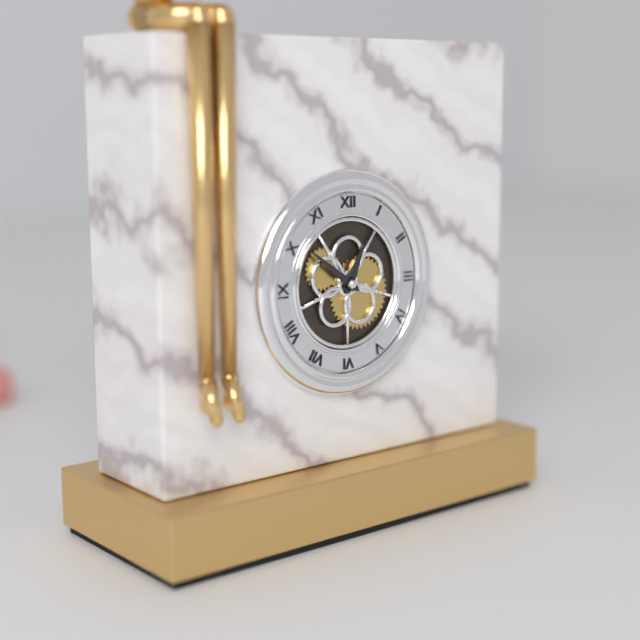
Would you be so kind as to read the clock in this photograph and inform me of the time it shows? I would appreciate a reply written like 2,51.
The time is 12,51
